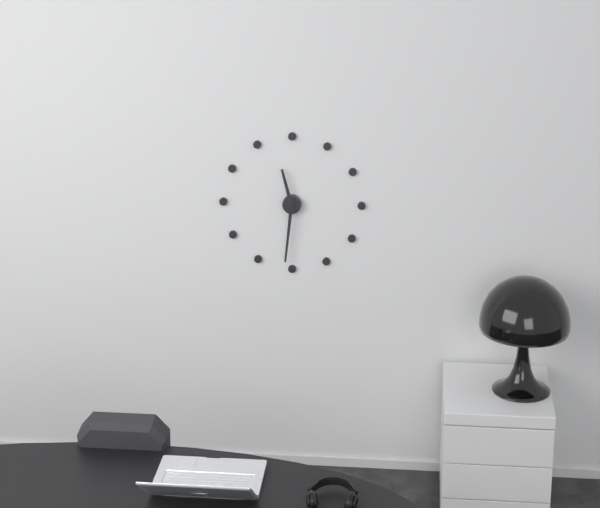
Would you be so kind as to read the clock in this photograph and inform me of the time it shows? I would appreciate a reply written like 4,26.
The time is 11,31
